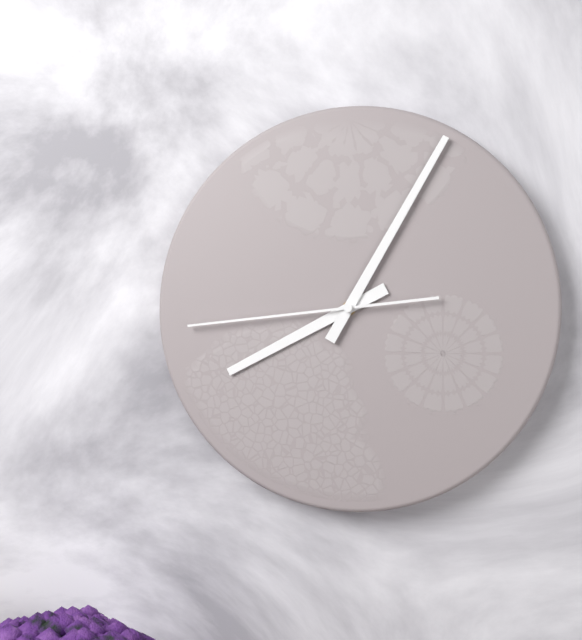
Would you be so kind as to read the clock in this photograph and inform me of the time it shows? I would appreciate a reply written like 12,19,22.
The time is 8,05,44
